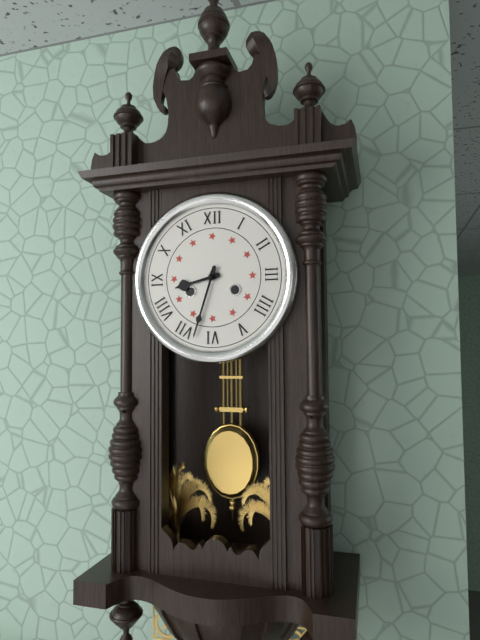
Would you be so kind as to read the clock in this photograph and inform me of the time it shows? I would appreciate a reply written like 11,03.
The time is 8,33
